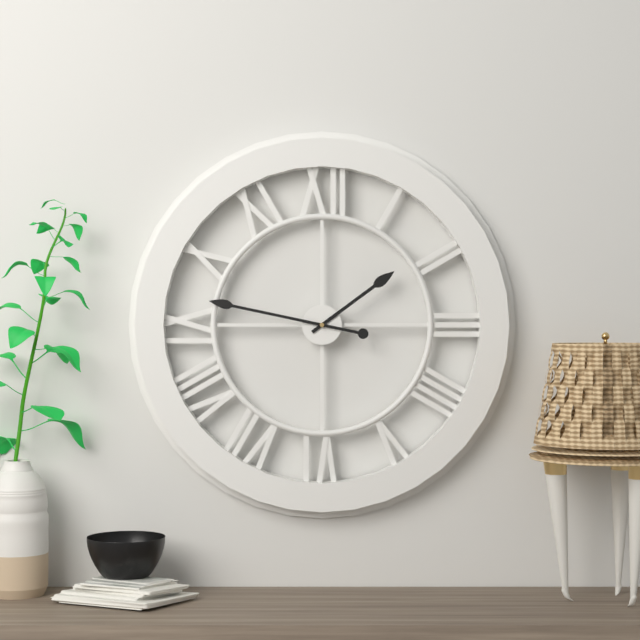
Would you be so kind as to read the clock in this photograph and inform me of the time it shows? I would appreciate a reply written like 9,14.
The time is 1,47
